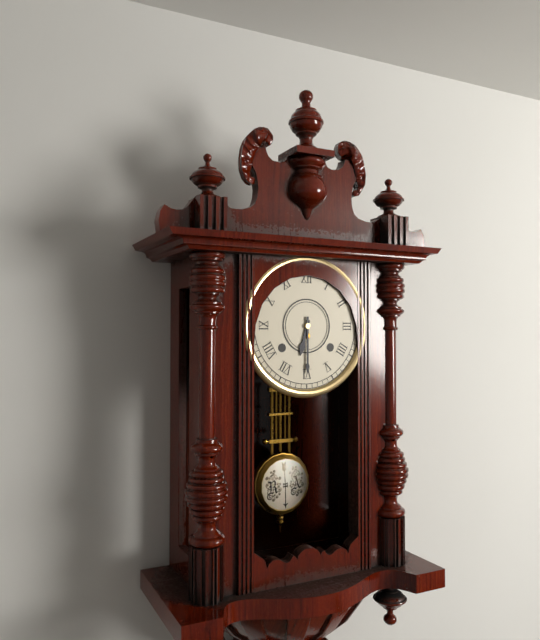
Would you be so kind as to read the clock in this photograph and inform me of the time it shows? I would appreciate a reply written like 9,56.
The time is 6,30
